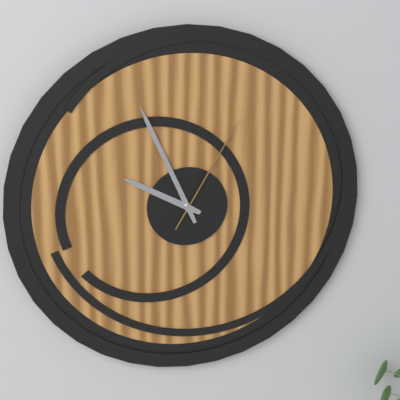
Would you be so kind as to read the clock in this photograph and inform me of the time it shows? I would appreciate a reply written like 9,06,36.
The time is 9,56,05
